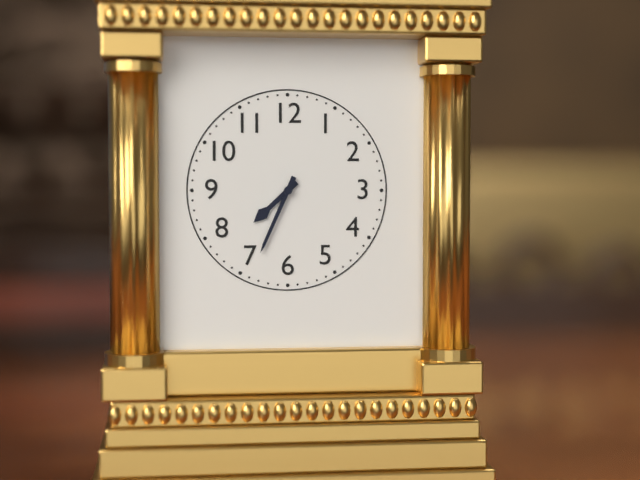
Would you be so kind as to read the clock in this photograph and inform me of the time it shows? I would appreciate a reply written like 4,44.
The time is 7,34
